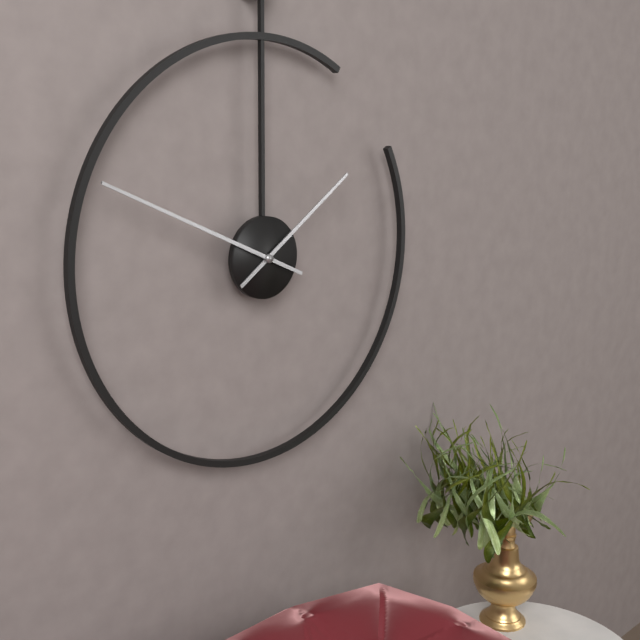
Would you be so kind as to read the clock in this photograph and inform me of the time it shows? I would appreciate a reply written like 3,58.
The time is 1,49
